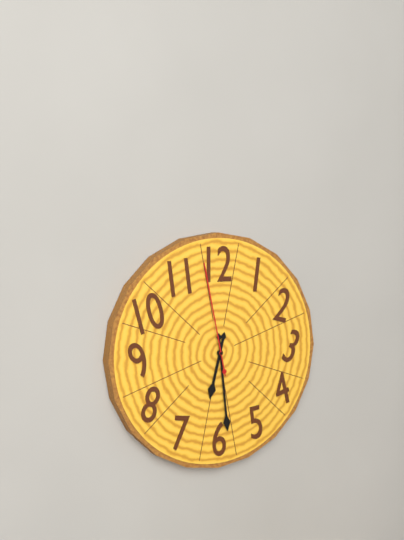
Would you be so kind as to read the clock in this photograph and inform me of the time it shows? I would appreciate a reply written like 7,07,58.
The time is 6,29,58
